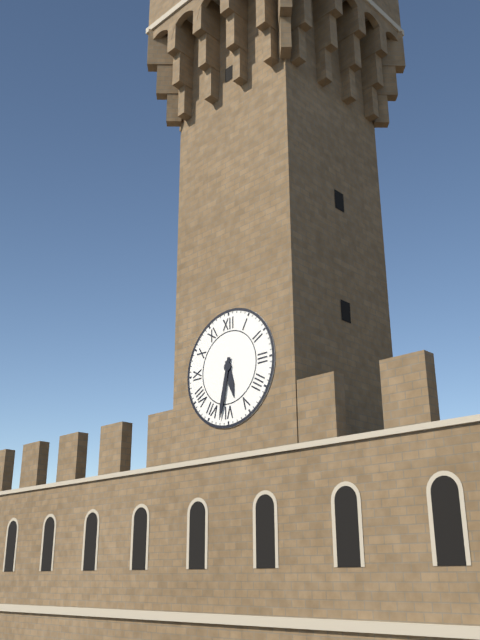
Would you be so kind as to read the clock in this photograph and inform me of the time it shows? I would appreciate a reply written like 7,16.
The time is 5,32
